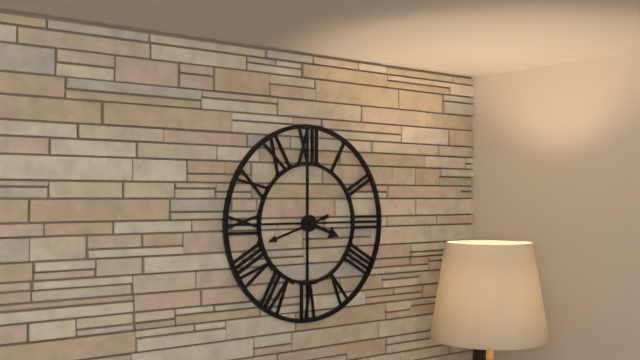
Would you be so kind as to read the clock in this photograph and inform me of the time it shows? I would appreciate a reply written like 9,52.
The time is 3,42
